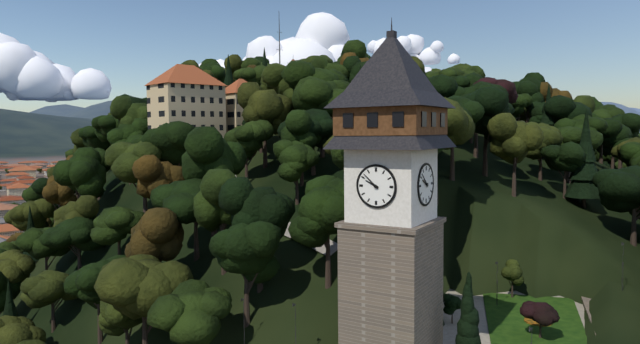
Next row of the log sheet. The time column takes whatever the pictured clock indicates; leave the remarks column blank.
9:52
